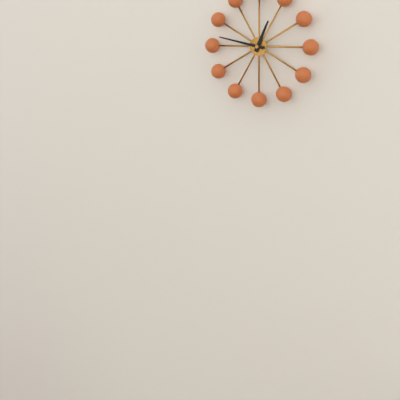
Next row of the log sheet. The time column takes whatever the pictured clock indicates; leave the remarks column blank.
12:47
